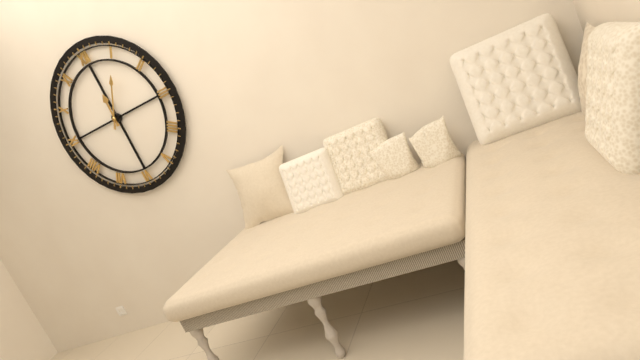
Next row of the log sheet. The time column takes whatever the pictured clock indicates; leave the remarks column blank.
12:05
